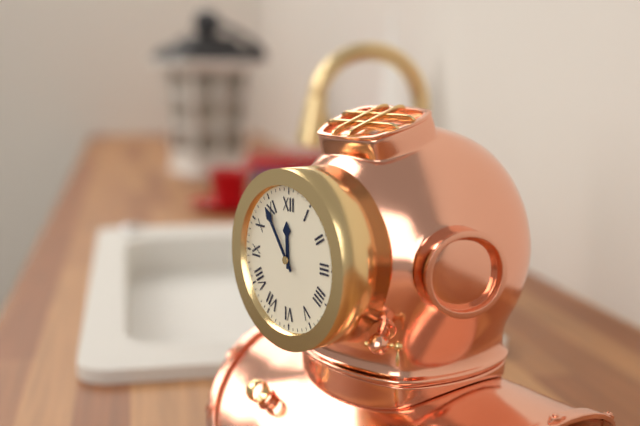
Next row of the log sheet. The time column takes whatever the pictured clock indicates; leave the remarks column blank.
11:54
